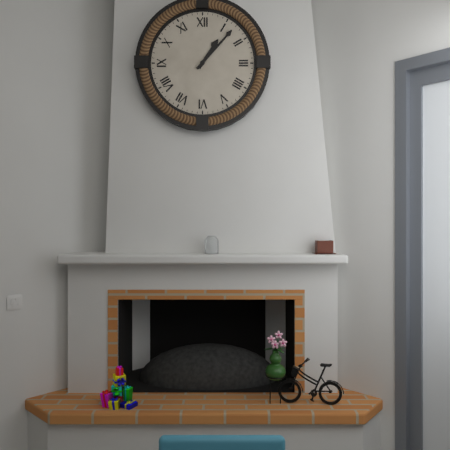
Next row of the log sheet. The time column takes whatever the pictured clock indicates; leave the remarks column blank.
1:07
